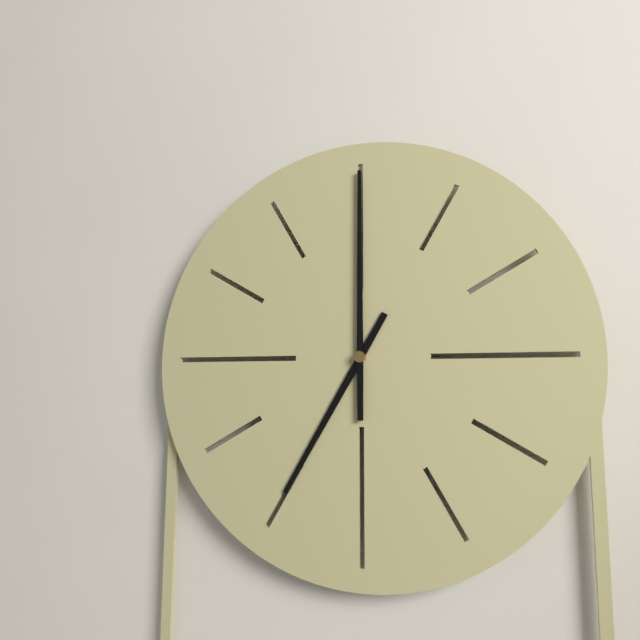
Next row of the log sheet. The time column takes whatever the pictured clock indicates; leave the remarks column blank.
7:00
